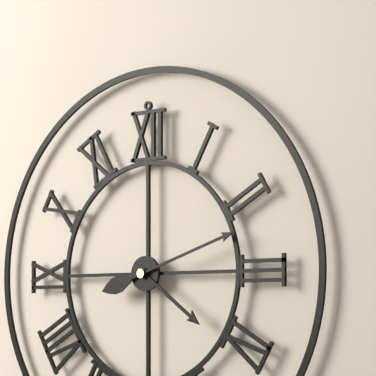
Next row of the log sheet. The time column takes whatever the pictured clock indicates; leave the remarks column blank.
4:12
